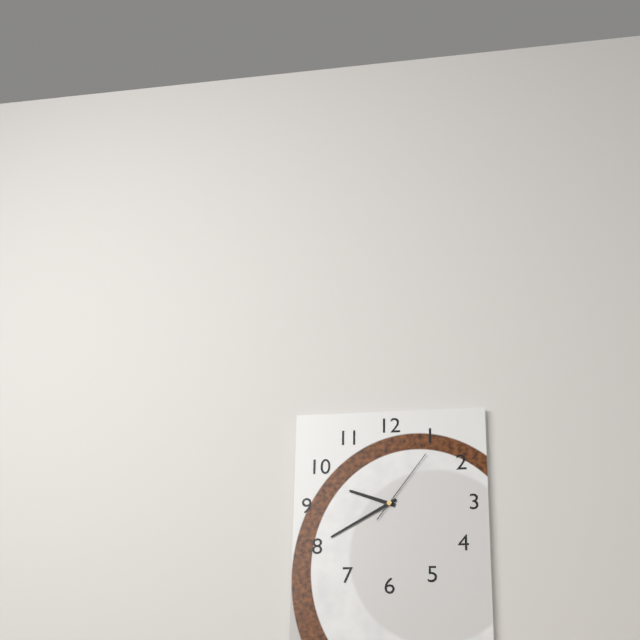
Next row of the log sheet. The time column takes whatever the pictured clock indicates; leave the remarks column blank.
9:40:06
